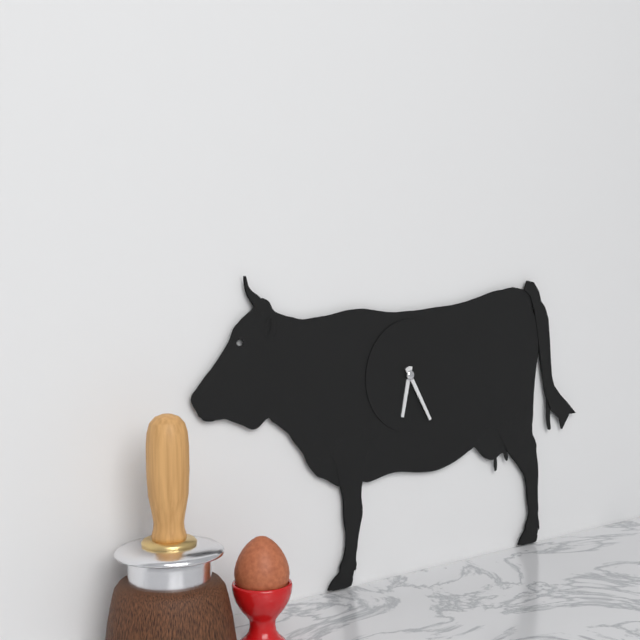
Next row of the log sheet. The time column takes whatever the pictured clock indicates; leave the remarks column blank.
6:25
